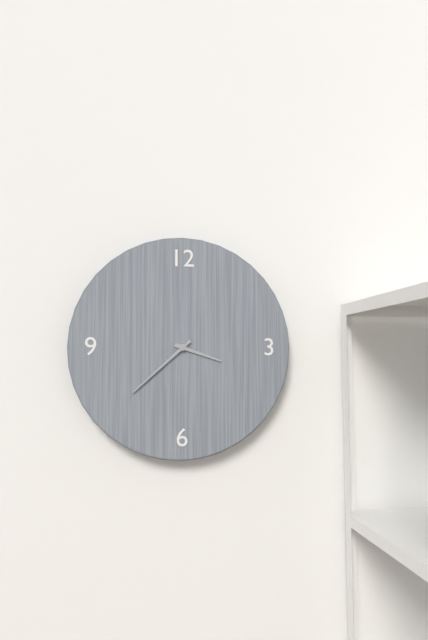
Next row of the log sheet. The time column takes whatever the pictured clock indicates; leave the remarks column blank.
3:38
